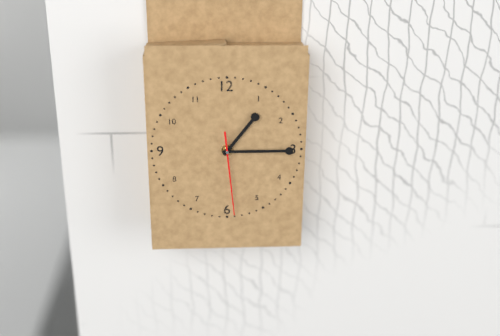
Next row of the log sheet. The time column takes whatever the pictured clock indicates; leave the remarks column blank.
1:15:29
